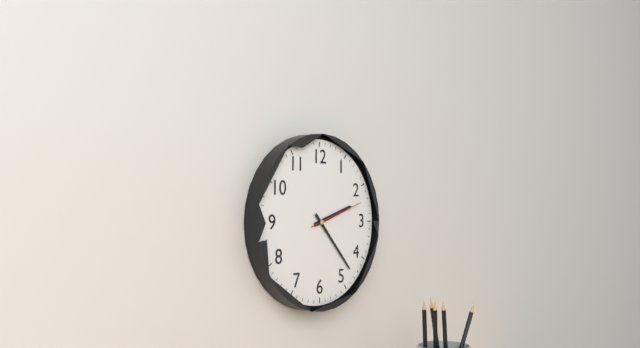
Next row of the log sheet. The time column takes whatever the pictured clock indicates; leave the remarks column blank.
2:23:12
